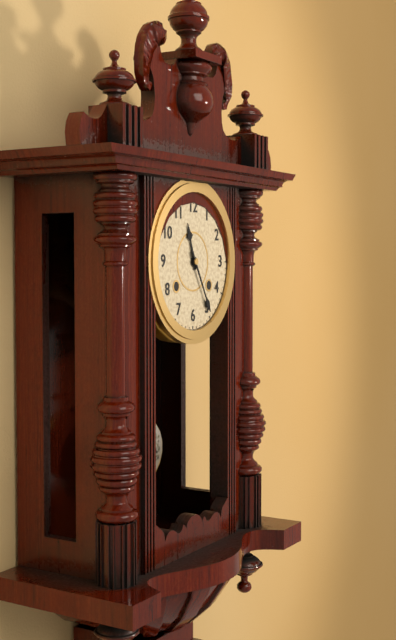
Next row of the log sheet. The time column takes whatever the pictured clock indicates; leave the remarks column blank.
11:25
